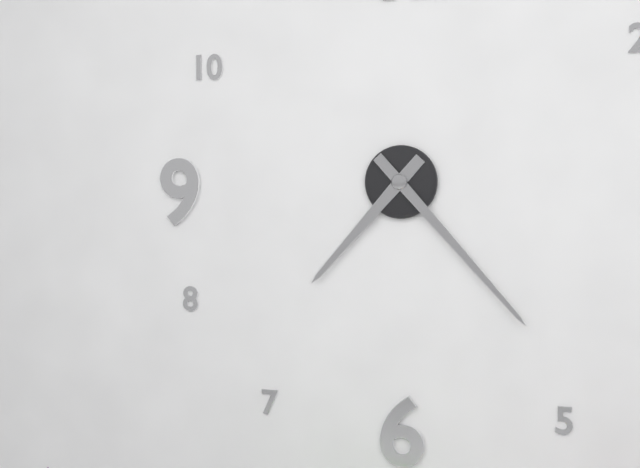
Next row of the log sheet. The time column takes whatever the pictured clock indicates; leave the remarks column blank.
7:23
